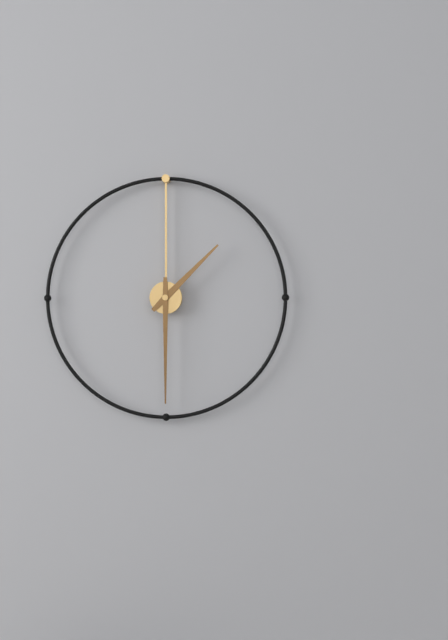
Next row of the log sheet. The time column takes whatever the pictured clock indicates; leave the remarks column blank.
1:30
